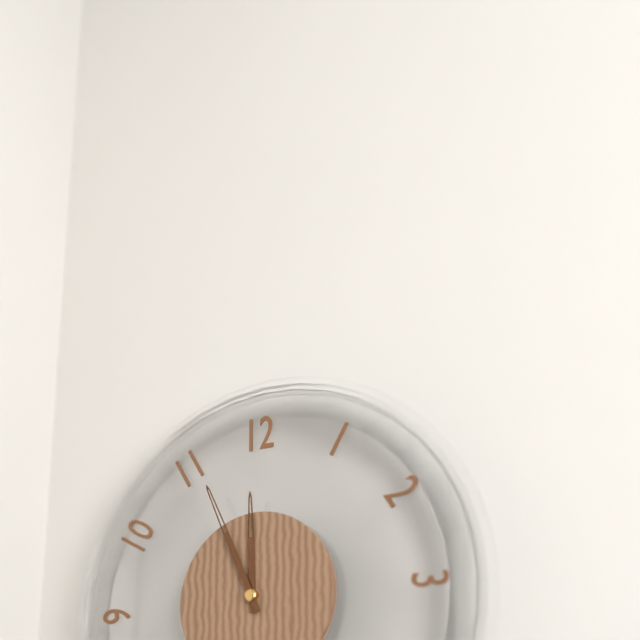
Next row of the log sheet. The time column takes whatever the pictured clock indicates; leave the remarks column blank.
11:56
